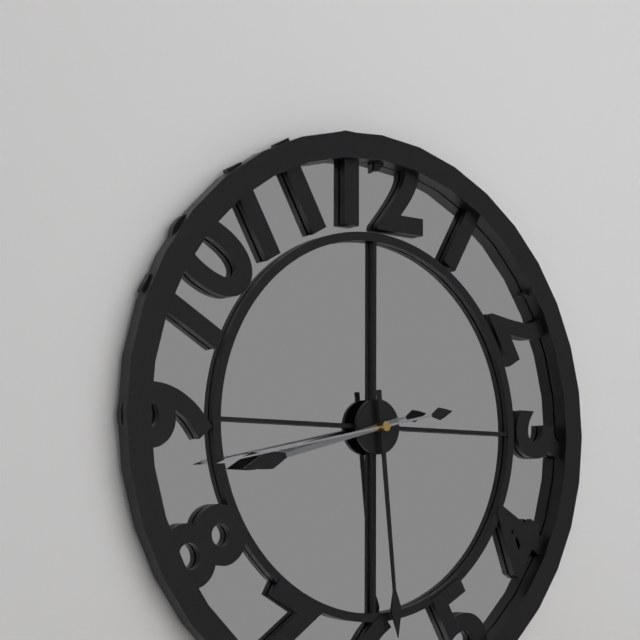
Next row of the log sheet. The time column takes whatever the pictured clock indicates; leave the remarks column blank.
8:29:43
